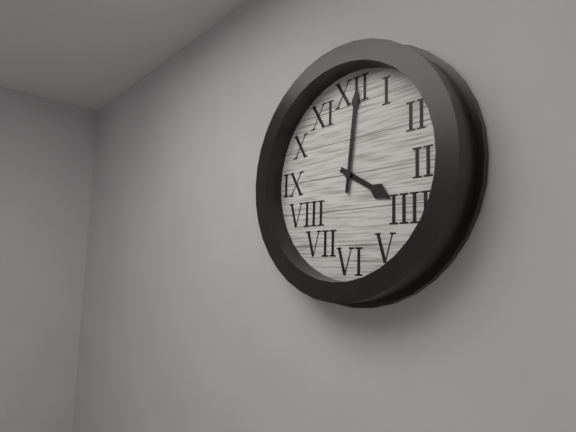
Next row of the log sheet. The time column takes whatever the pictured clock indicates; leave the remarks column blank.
4:01
